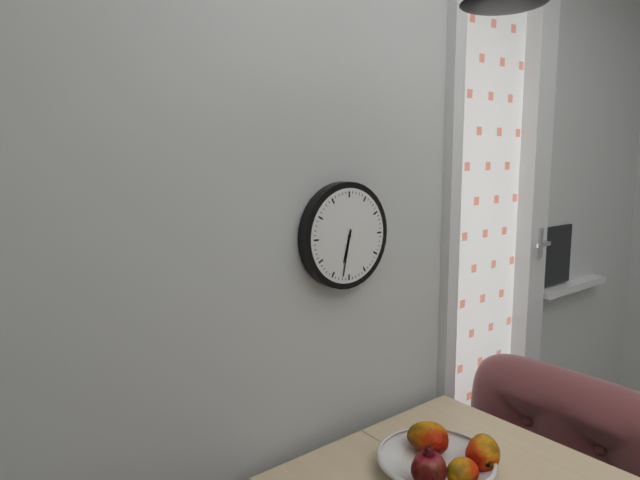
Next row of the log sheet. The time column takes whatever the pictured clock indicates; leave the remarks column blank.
6:32
